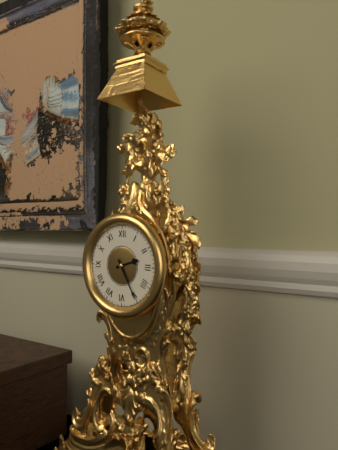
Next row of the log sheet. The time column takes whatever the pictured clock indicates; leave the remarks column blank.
2:25
